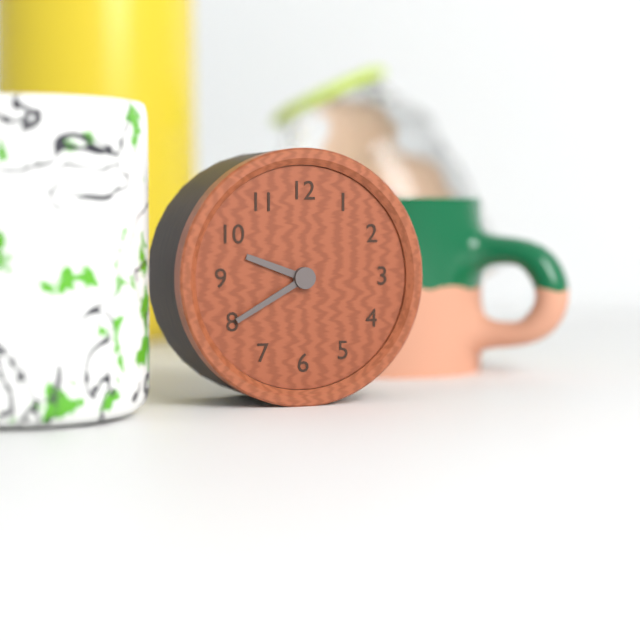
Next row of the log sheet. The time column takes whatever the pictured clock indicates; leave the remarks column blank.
9:40
